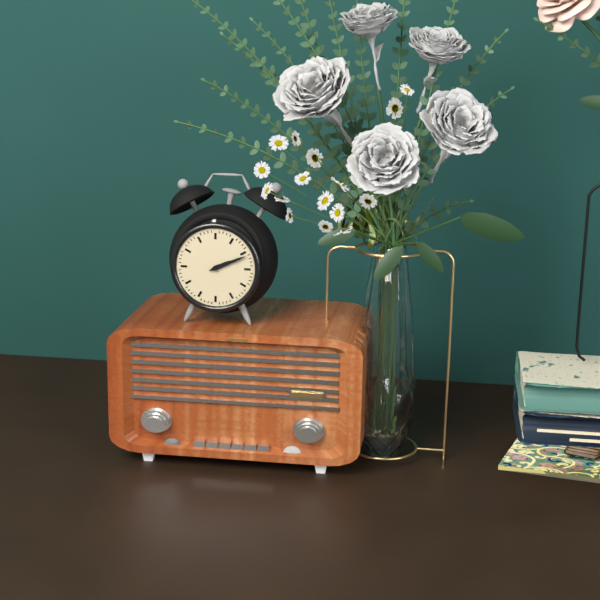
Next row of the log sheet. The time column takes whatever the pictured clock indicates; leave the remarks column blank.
2:11
